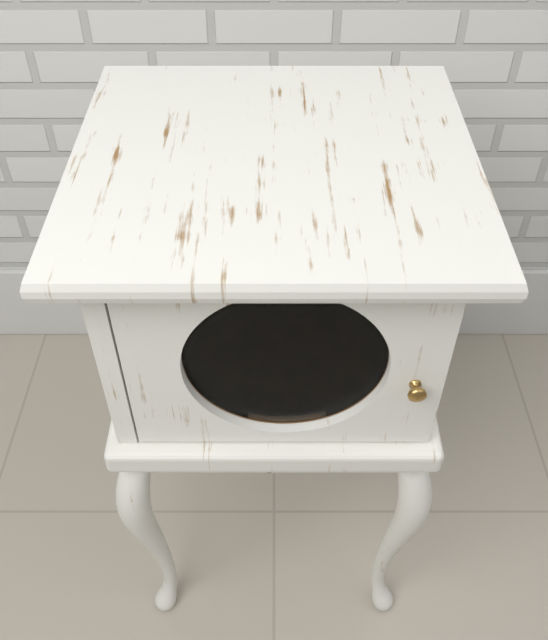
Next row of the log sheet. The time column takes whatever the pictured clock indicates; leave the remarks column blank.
10:52:21
